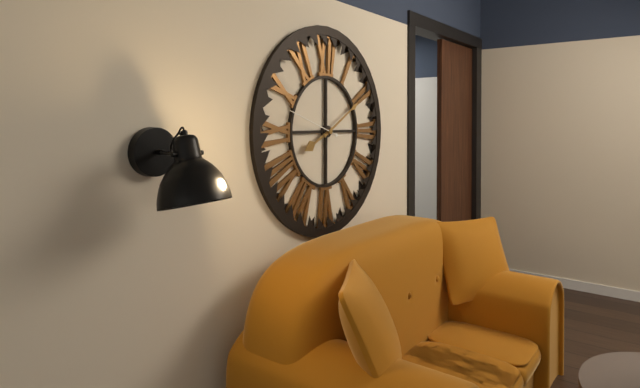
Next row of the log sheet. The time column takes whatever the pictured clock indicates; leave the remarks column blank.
8:10
